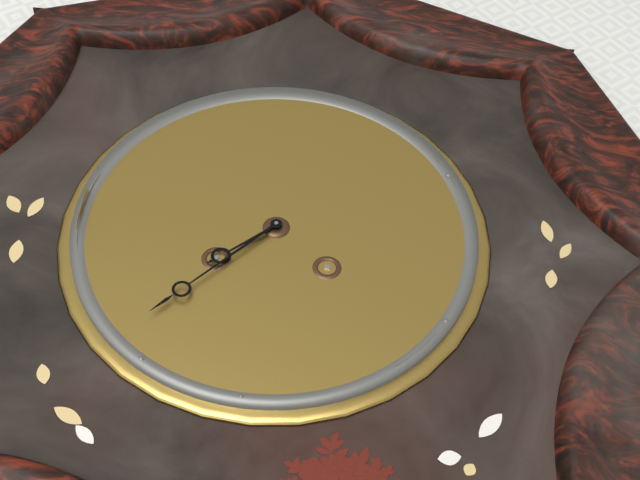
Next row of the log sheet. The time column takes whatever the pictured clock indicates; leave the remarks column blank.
7:37
